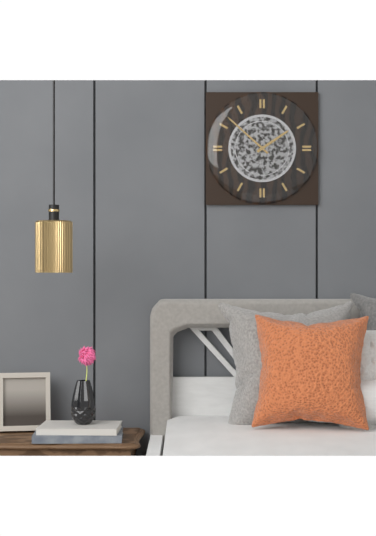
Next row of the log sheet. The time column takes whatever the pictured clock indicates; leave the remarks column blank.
1:52
